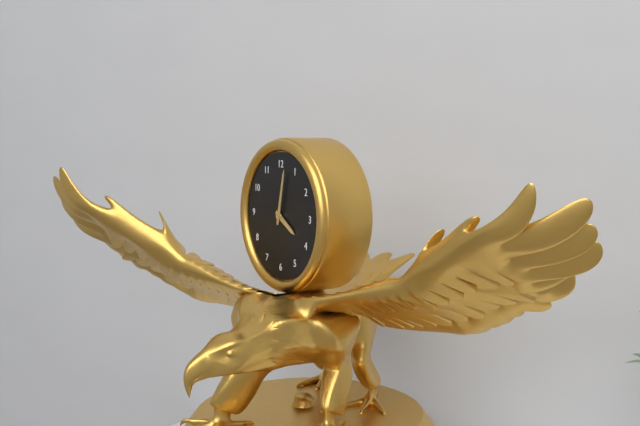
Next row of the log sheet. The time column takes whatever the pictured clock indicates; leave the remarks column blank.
4:02
